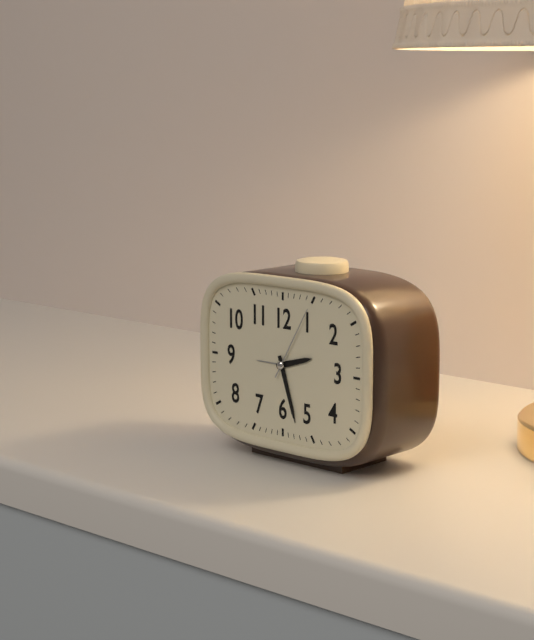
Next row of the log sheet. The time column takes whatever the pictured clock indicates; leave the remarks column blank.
2:27:05
